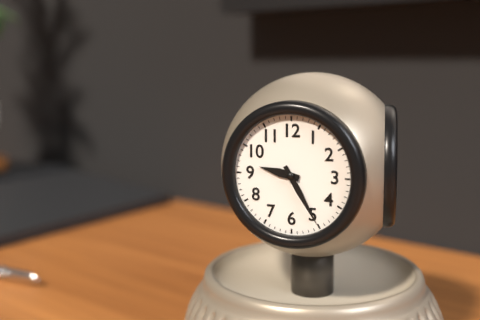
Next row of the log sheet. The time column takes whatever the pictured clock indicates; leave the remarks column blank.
9:25
